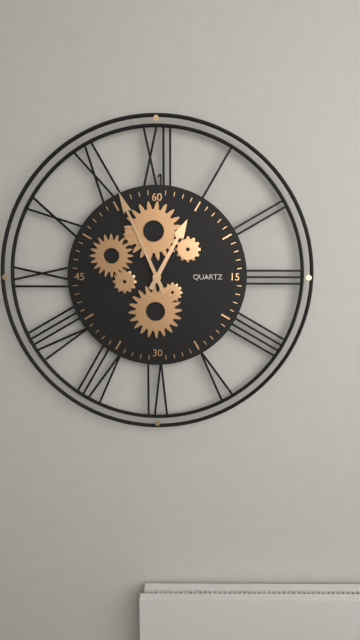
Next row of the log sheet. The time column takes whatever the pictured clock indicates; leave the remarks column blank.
12:56
